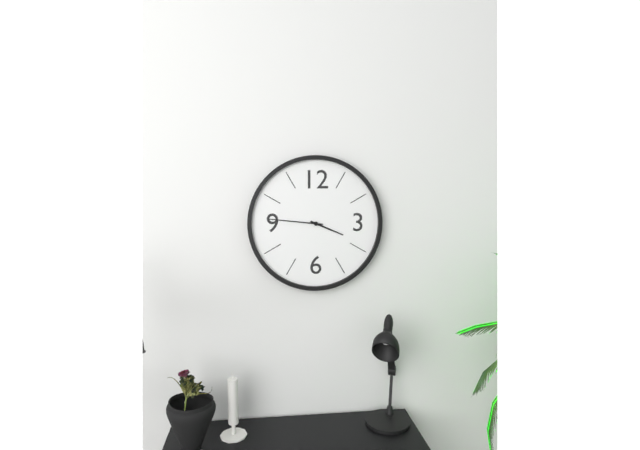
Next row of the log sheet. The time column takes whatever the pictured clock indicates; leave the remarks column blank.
3:46
